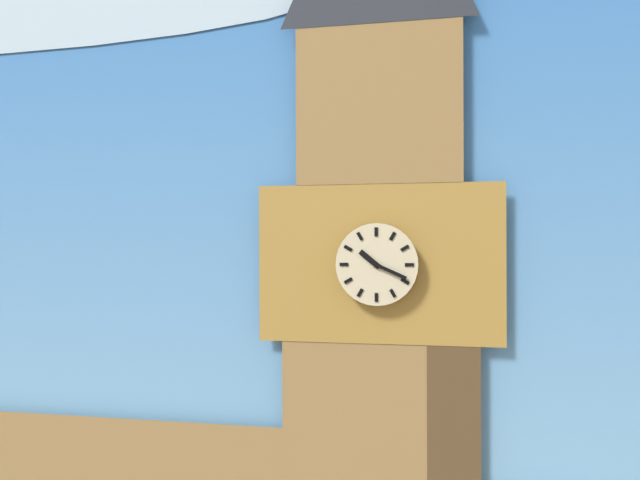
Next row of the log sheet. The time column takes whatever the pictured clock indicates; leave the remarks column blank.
10:19
